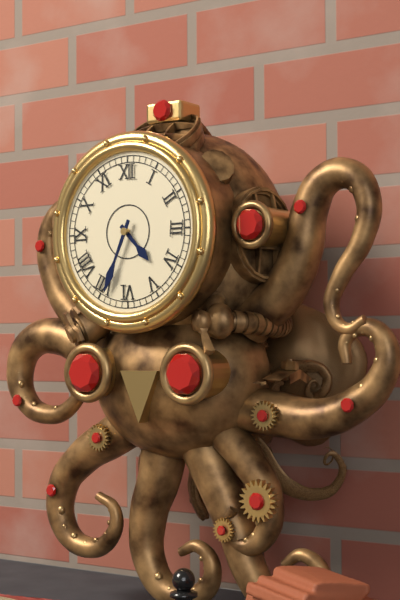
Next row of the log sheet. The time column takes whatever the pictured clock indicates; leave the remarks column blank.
4:34
